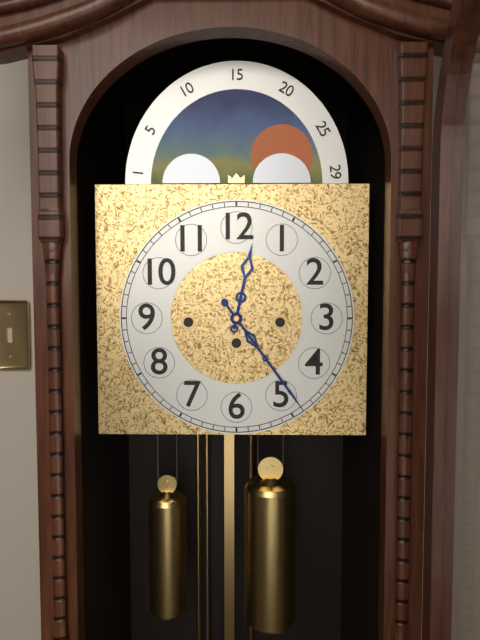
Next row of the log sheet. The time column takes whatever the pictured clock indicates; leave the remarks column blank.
12:24
